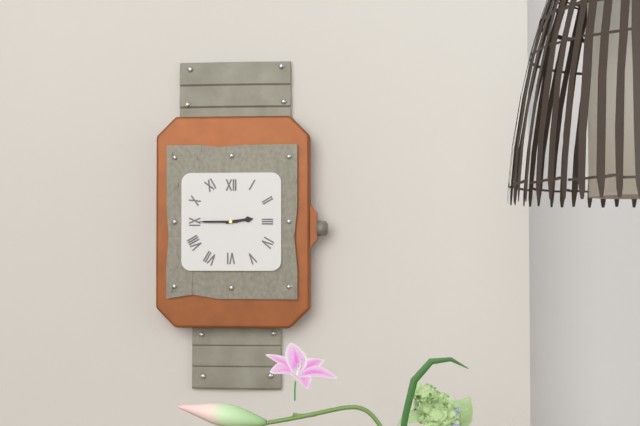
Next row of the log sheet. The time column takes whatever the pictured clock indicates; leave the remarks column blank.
2:45
